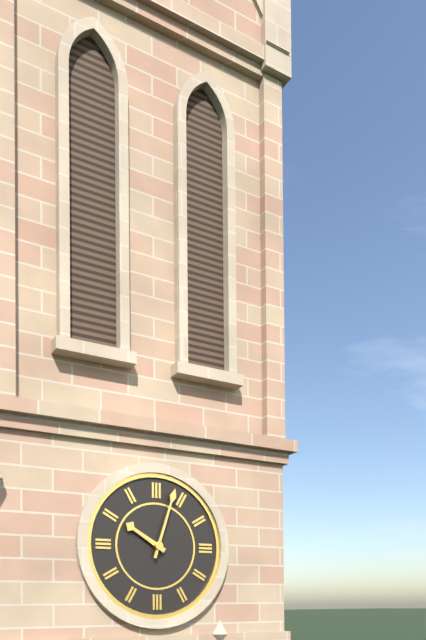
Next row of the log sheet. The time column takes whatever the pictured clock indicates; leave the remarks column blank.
10:03
